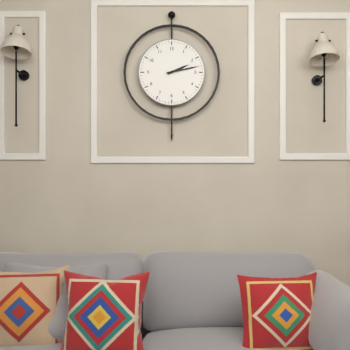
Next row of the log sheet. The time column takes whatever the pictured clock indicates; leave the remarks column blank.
2:13
